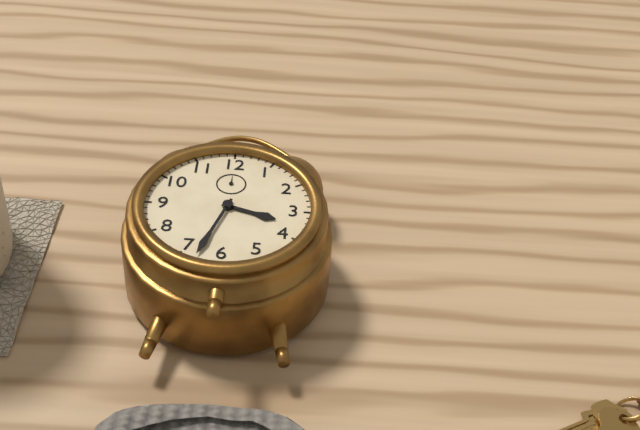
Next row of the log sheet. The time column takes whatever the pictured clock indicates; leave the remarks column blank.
3:33
